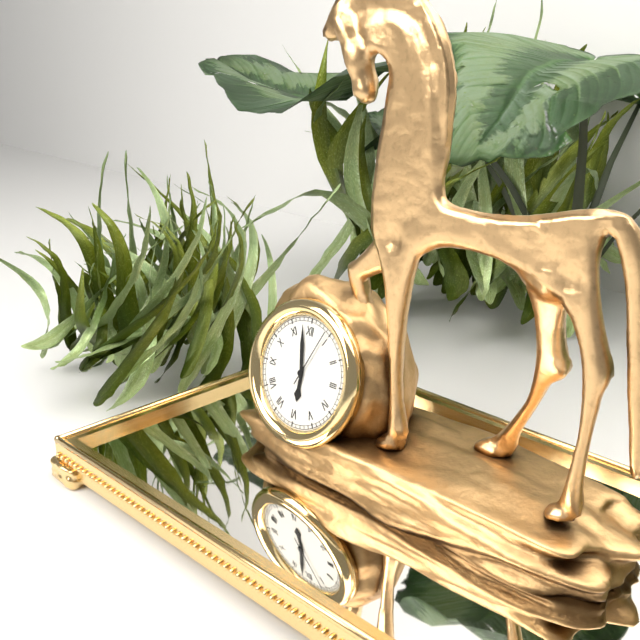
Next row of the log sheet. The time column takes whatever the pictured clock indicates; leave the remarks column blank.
5:58:04
